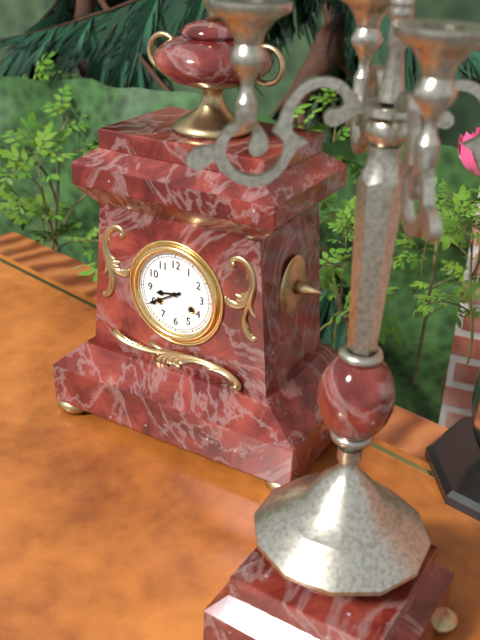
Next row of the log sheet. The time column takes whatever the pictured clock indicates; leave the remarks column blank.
8:40
